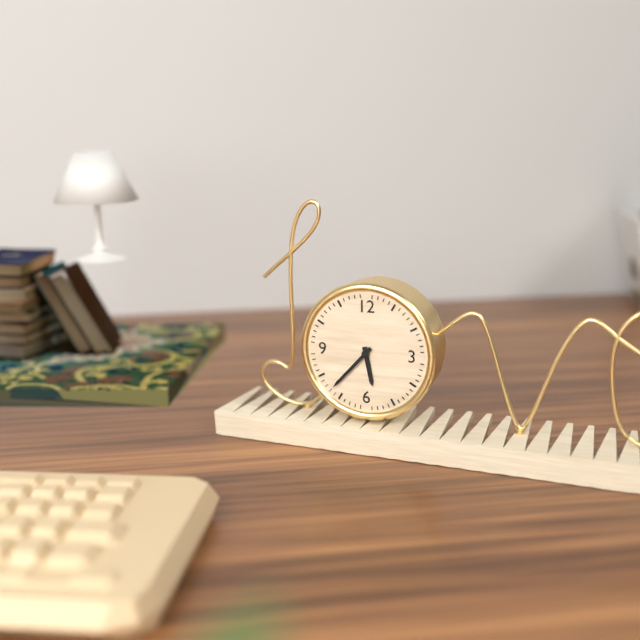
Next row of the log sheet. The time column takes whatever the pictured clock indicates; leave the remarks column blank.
5:37
